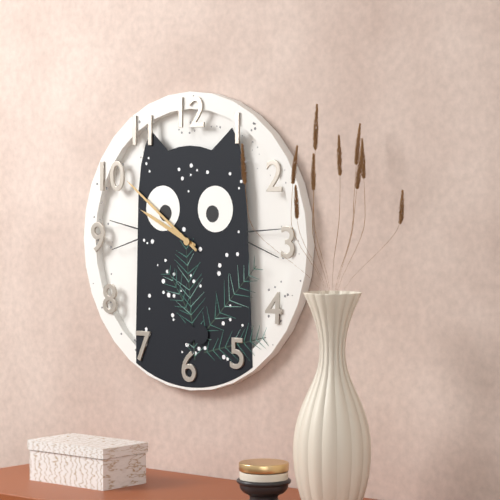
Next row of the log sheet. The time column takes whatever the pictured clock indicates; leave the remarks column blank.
9:51
